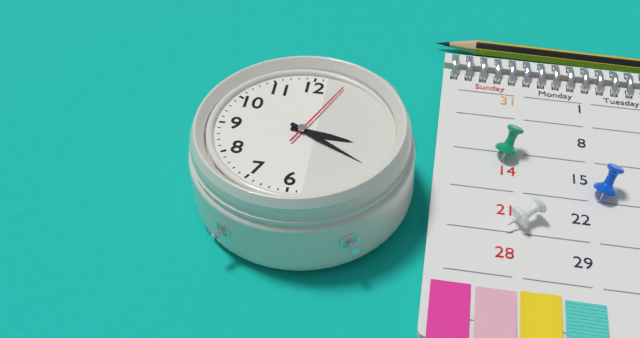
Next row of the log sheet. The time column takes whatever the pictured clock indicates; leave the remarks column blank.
3:20:04
